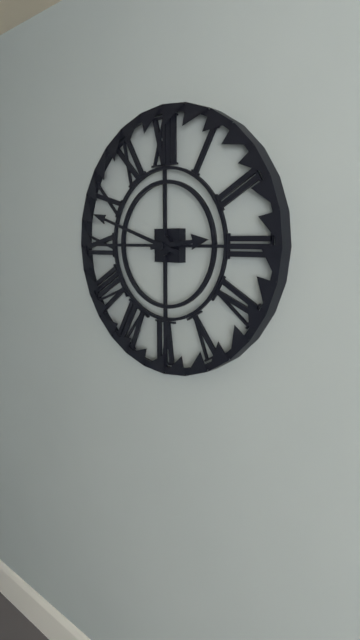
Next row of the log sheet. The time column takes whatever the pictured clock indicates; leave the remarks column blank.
2:48
